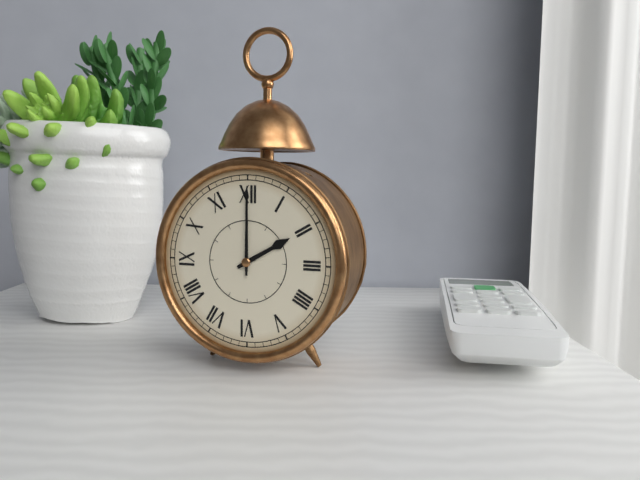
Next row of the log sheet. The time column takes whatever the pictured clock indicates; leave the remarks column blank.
2:00
